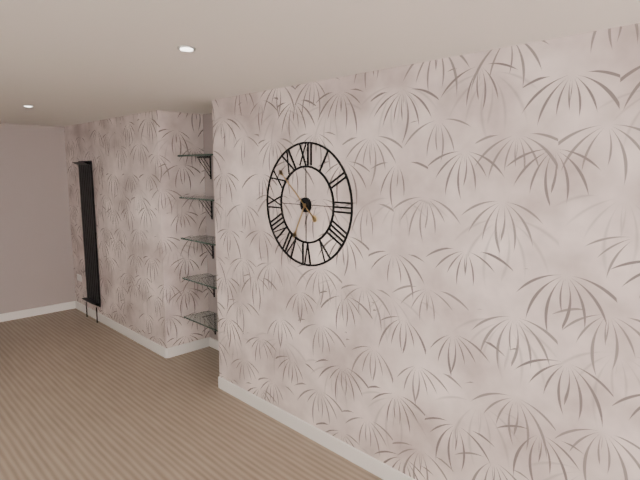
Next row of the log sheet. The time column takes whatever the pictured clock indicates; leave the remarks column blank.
6:52
